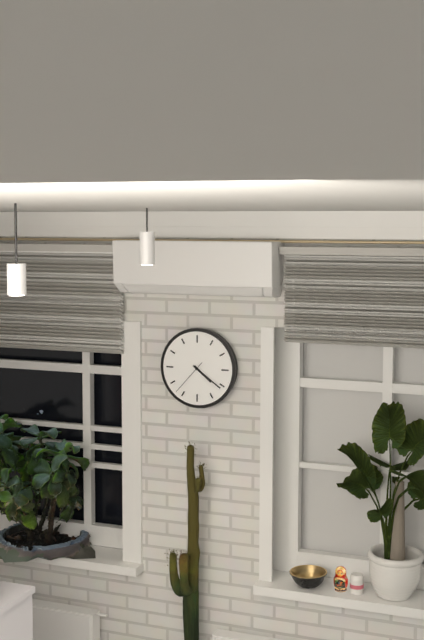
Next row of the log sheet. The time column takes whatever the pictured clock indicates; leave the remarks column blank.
4:21
